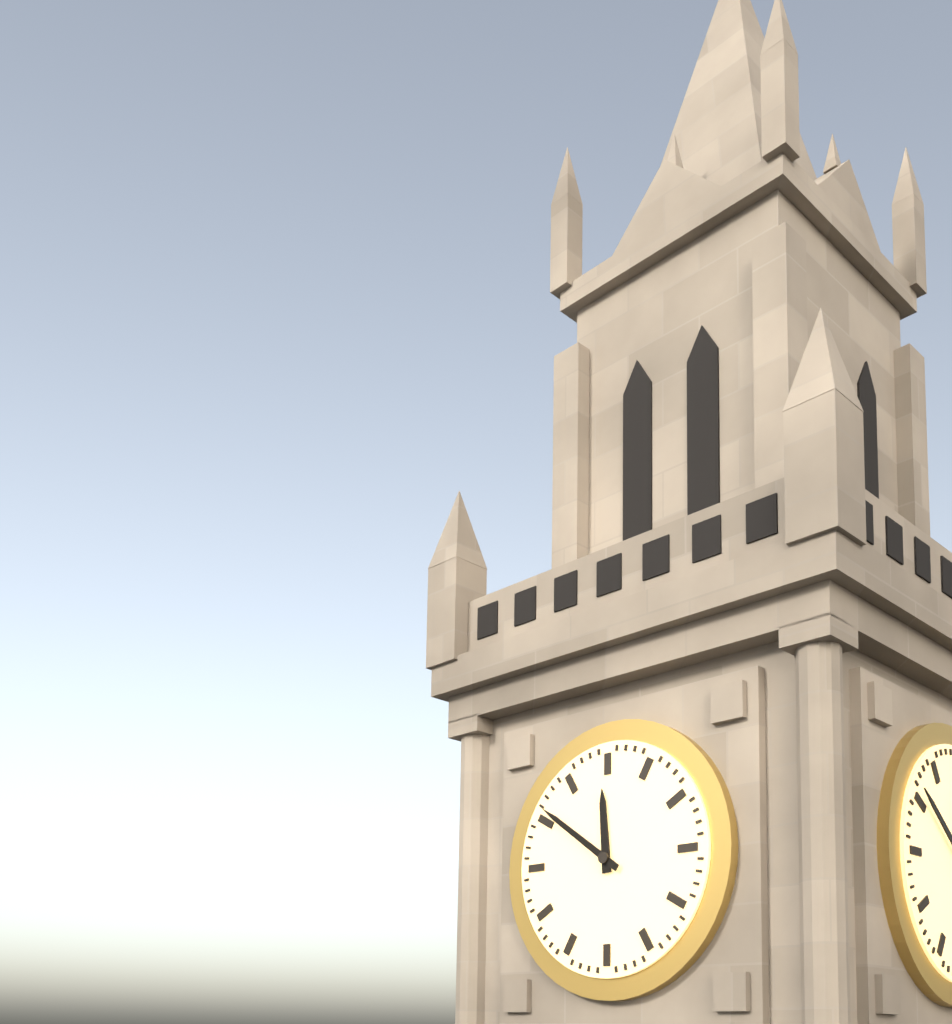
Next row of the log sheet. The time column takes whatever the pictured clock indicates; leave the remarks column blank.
11:51
